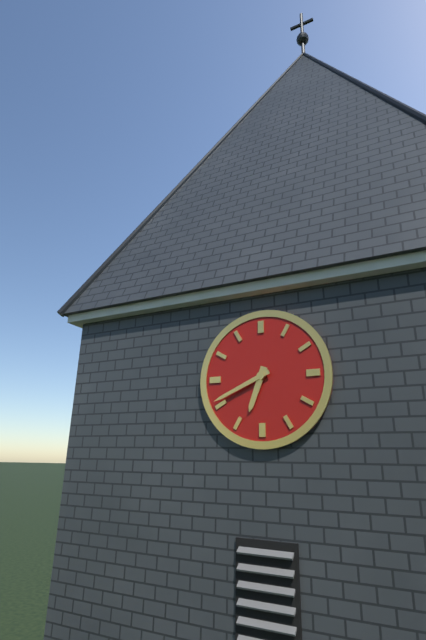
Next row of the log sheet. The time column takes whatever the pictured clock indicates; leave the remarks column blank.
6:41
